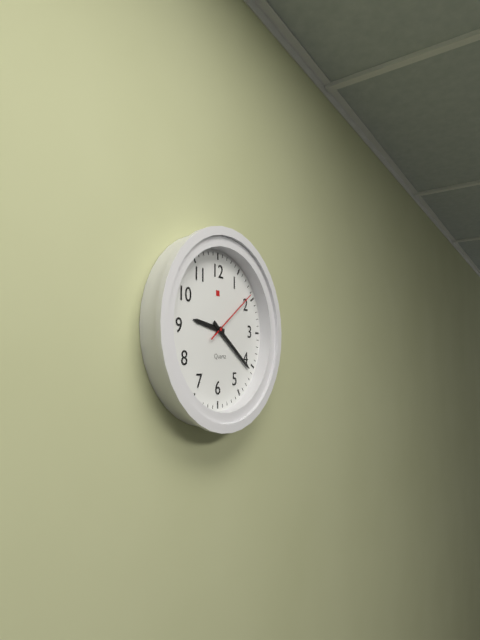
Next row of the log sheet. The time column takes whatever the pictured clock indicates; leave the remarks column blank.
9:21:09
